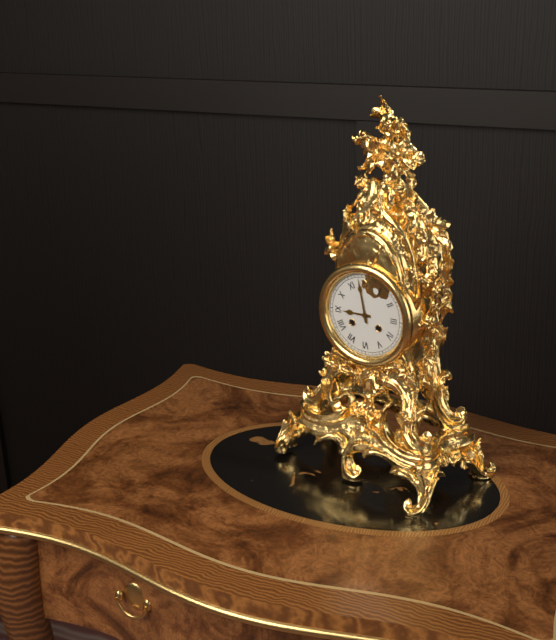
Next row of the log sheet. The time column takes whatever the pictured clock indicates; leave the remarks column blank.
8:58
